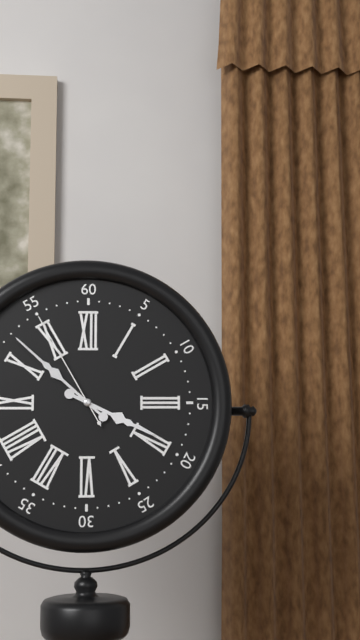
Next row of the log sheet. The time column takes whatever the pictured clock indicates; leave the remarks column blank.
3:52:55
